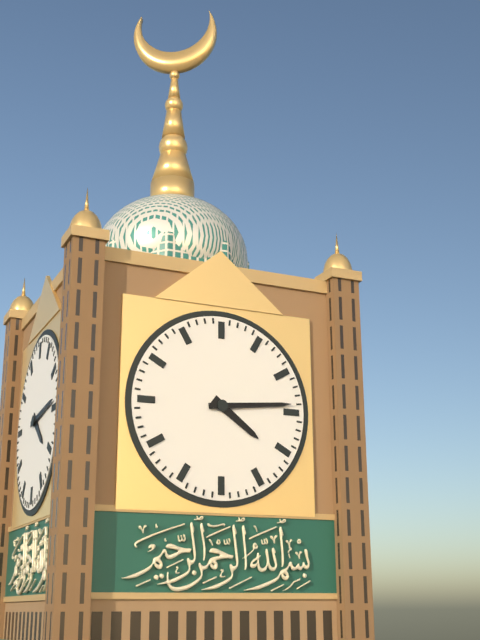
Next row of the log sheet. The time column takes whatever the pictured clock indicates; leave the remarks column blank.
4:14
